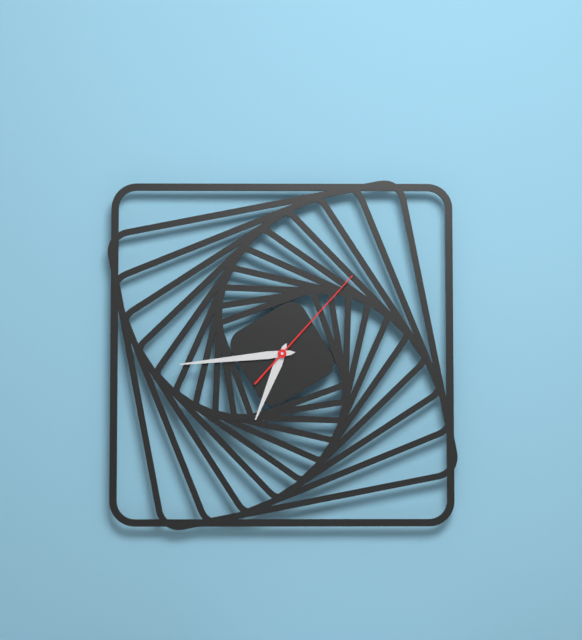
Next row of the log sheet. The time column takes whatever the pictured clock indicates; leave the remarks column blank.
6:44:07
